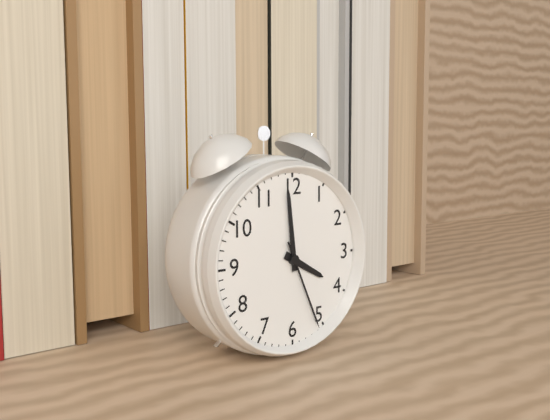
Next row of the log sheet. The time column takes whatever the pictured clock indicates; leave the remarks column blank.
3:59:26
